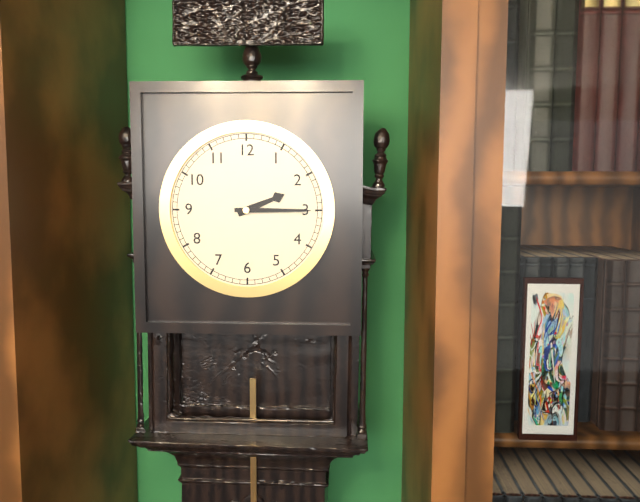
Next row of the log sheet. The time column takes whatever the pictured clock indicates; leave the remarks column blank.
2:15
